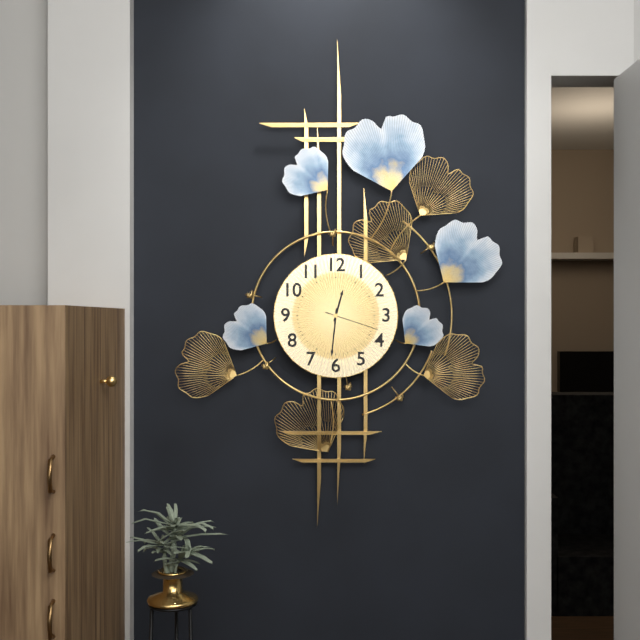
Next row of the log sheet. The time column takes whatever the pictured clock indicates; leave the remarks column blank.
12:31:18
